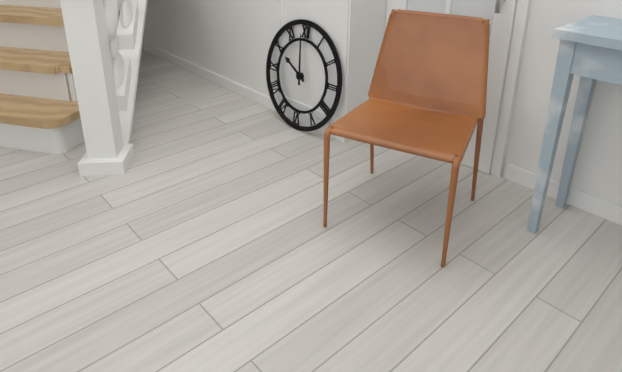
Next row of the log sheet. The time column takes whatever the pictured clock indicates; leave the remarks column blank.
9:59
